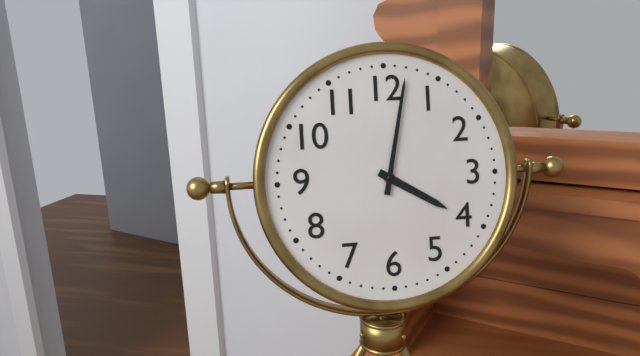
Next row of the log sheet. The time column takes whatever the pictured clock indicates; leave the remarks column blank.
4:02
